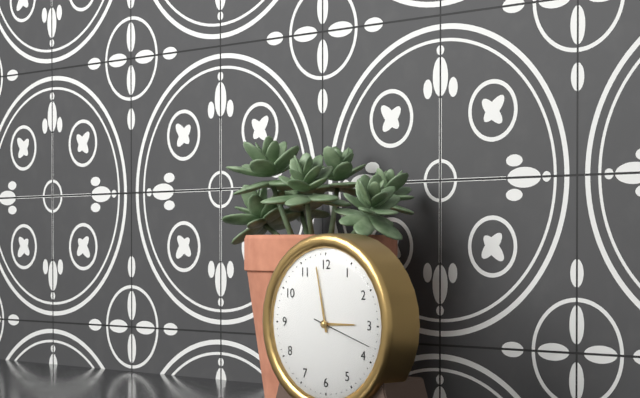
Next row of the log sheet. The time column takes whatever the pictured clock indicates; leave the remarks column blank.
2:58:18
